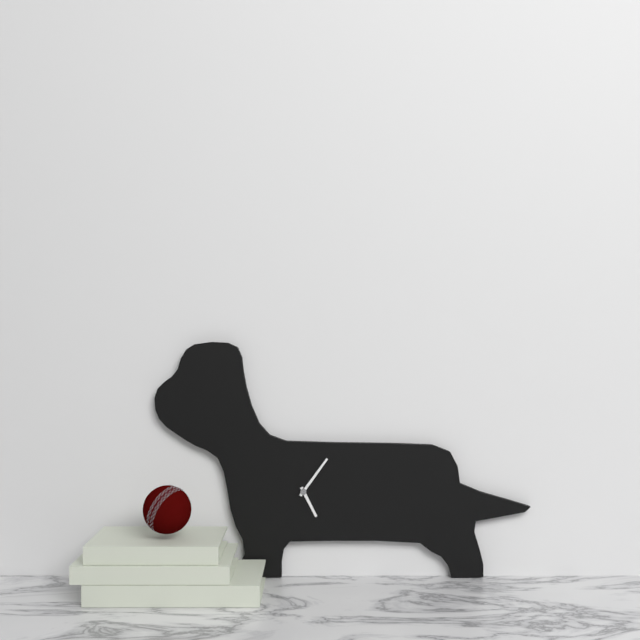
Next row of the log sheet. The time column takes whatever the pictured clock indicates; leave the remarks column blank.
5:06
